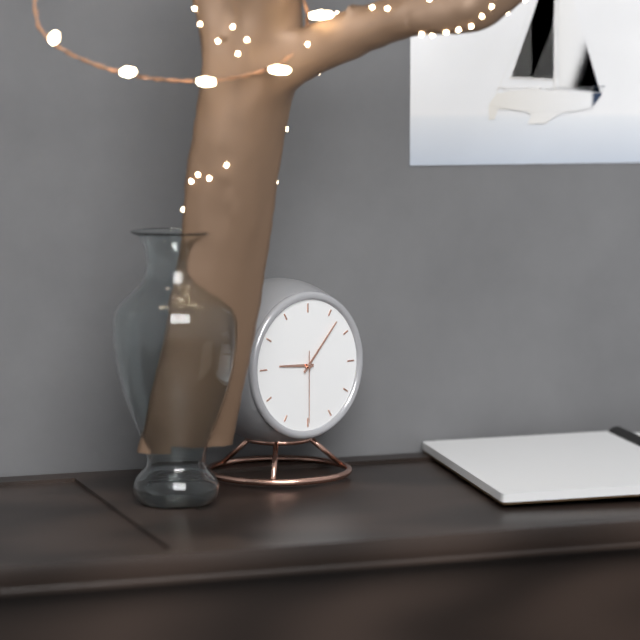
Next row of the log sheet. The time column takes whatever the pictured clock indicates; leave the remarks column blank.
9:07:30
